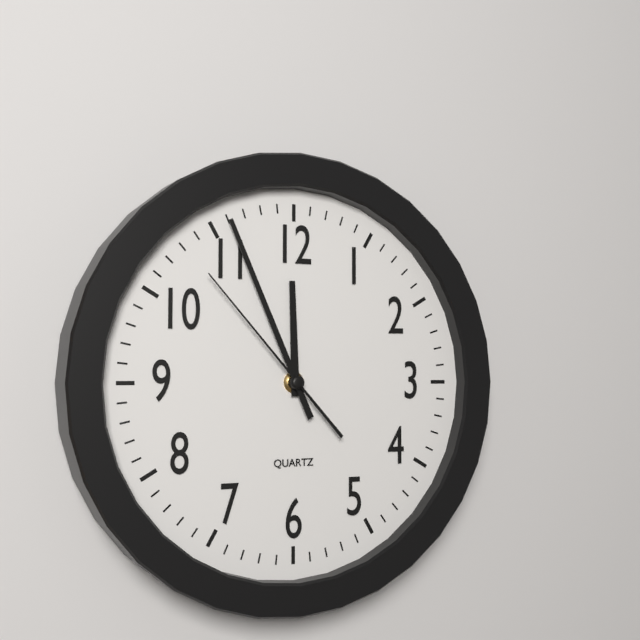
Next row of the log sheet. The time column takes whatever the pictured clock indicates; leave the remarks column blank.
11:56:53
